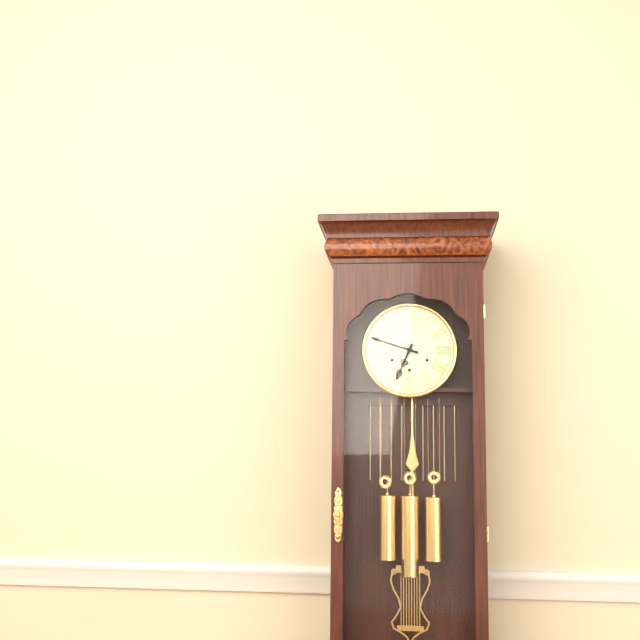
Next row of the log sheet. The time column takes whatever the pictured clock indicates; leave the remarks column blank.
6:48
